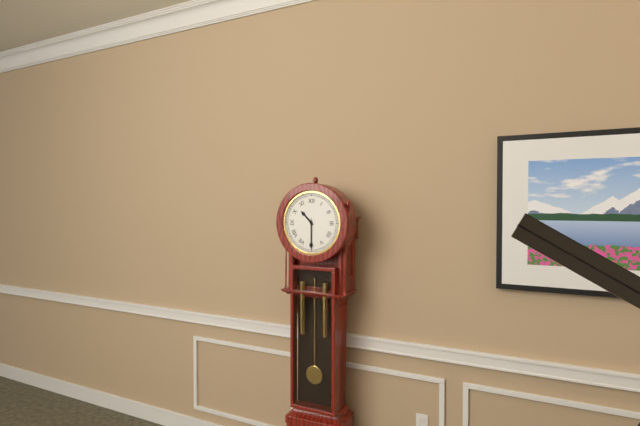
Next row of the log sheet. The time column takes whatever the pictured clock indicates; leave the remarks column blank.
10:30
